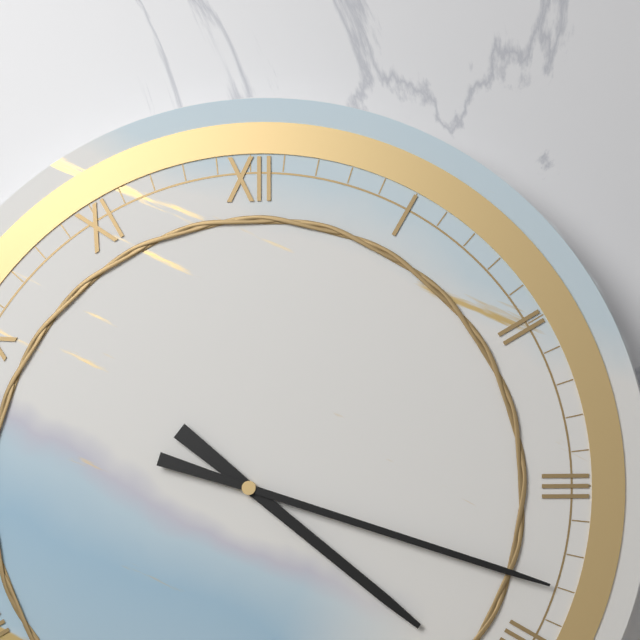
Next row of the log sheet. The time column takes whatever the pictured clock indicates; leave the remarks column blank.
4:18
